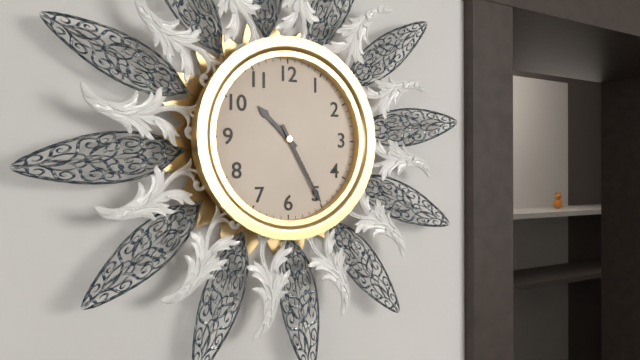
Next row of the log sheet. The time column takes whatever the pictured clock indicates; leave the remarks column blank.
10:25
